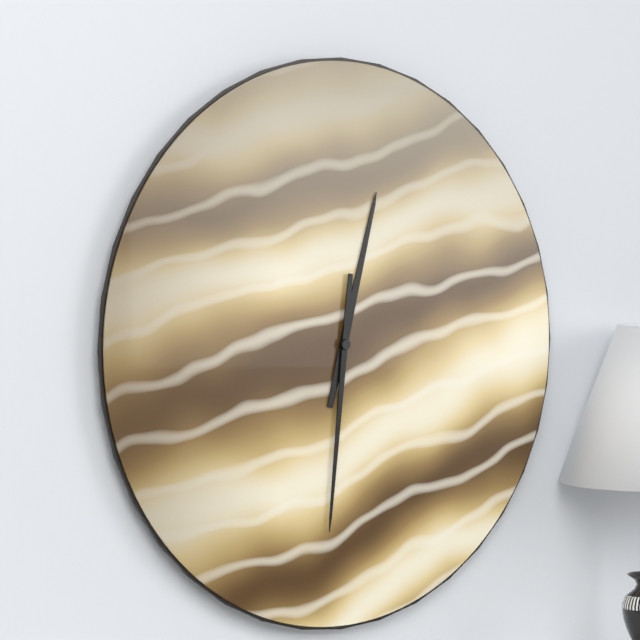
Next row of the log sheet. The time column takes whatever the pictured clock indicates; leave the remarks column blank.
12:31
